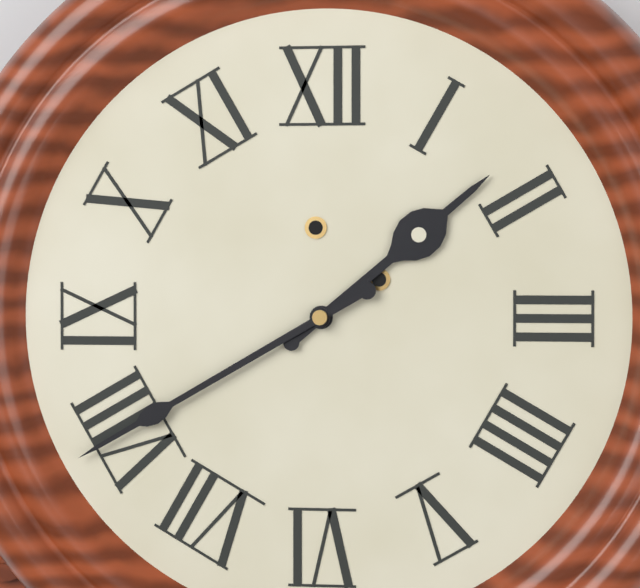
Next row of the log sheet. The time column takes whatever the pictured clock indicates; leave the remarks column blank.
1:40
